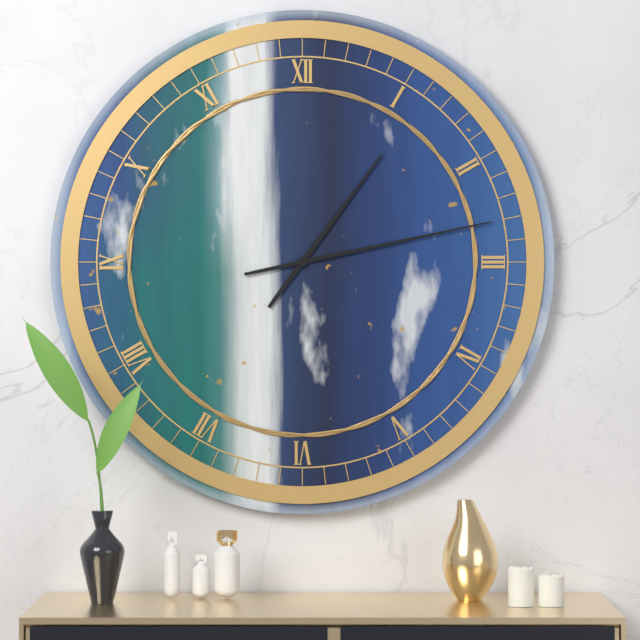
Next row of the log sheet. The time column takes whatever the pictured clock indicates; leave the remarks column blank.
1:13
